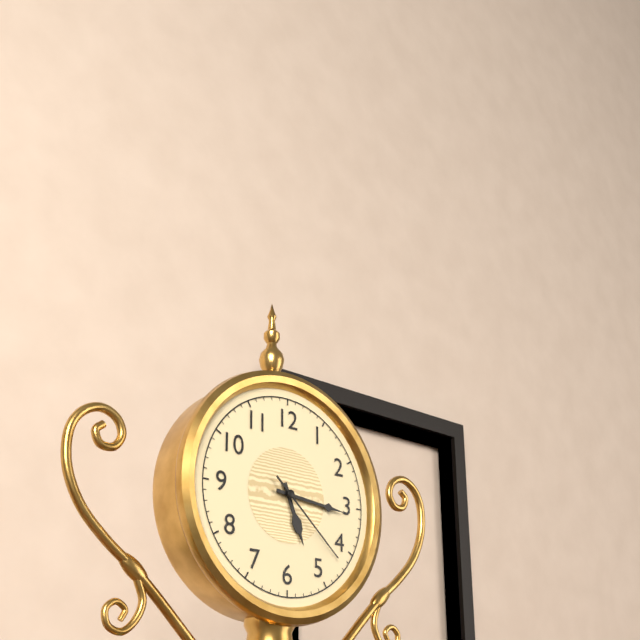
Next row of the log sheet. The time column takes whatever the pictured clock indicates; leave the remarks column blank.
5:16:22
